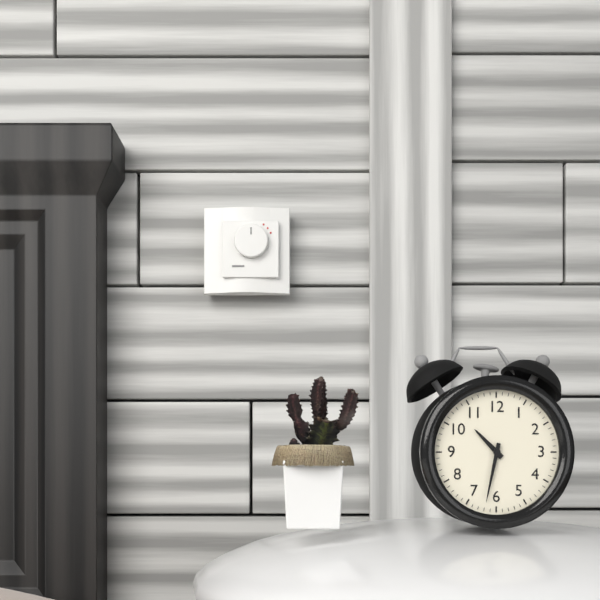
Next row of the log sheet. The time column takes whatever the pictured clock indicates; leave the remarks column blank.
10:32
